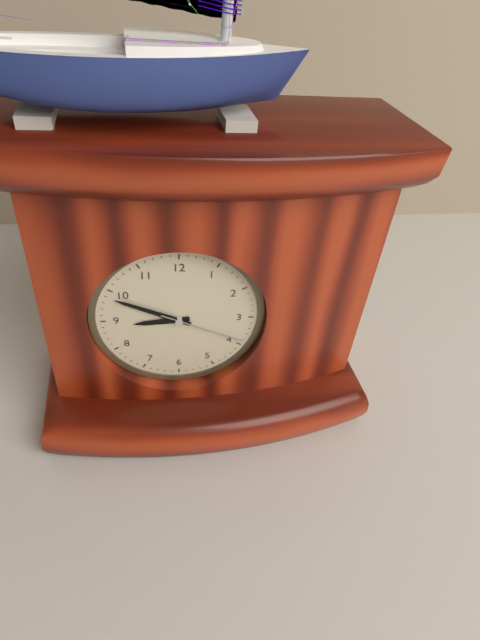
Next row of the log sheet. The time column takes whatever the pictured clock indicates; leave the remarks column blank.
8:49:19
